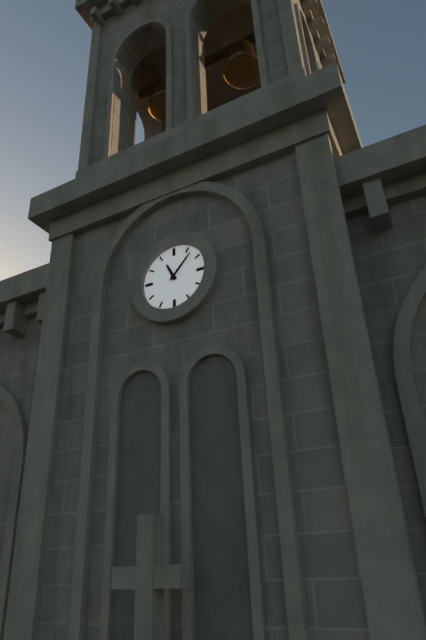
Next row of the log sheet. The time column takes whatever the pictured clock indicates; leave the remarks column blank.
11:07
